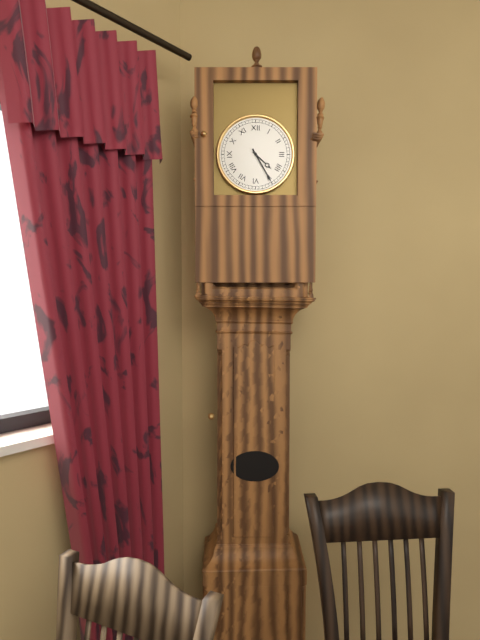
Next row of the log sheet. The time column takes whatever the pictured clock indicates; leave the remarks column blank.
4:25
